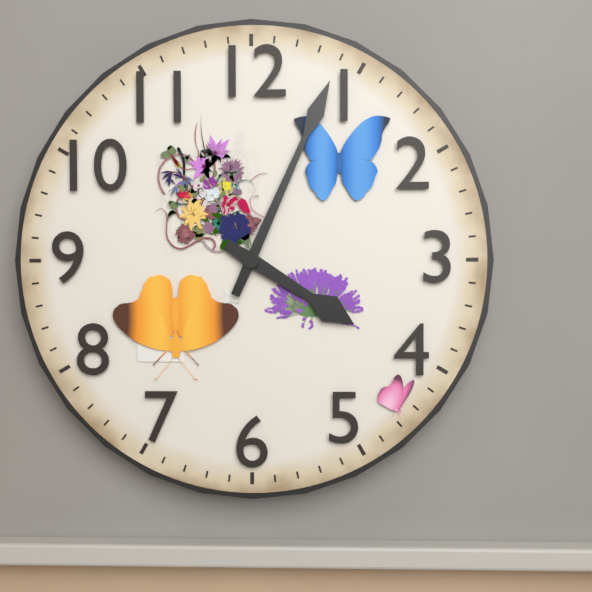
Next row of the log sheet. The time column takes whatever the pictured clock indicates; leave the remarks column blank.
4:04
